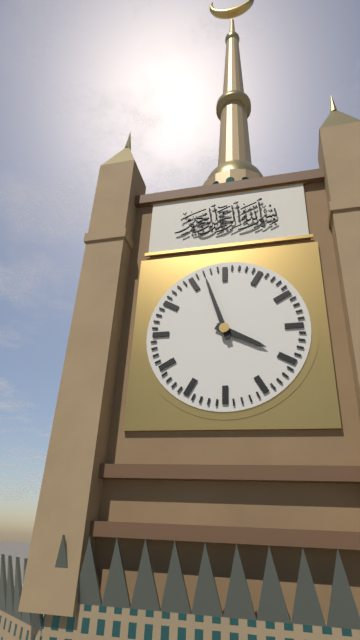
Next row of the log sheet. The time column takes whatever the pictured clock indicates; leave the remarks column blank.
3:57
